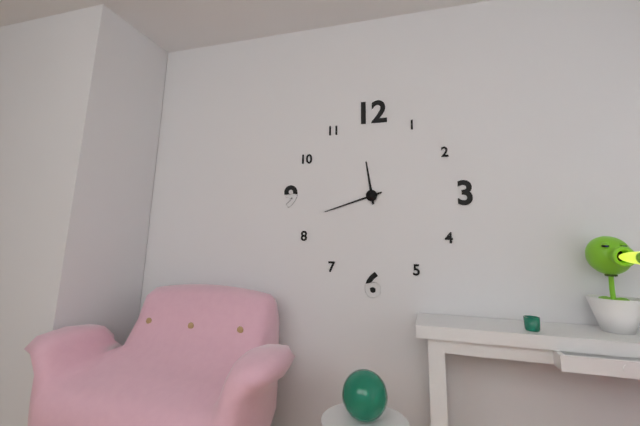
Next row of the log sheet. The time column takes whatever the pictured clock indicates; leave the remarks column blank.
11:42
